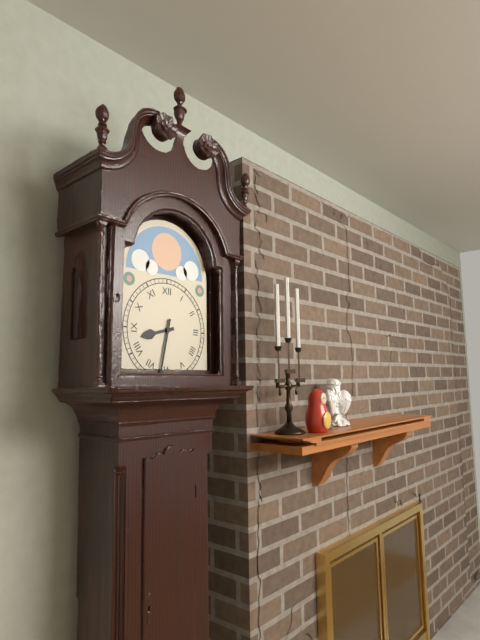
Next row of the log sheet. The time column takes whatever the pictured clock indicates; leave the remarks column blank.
8:32
